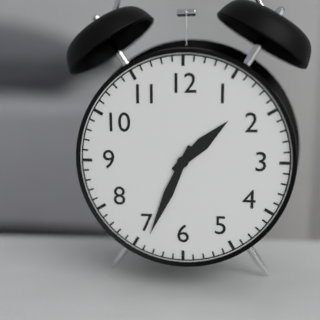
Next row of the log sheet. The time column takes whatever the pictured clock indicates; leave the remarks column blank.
1:34
